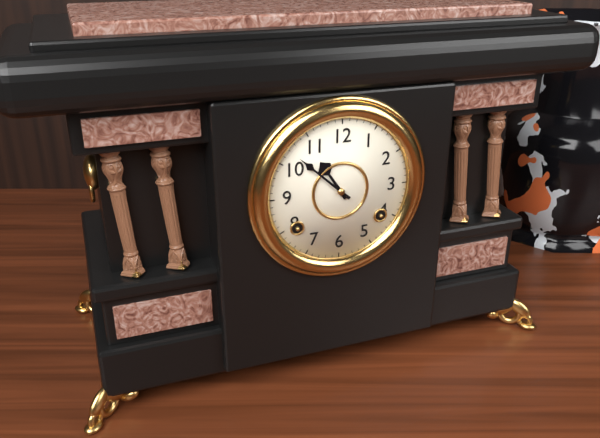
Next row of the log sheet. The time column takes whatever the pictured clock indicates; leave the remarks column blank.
10:52
